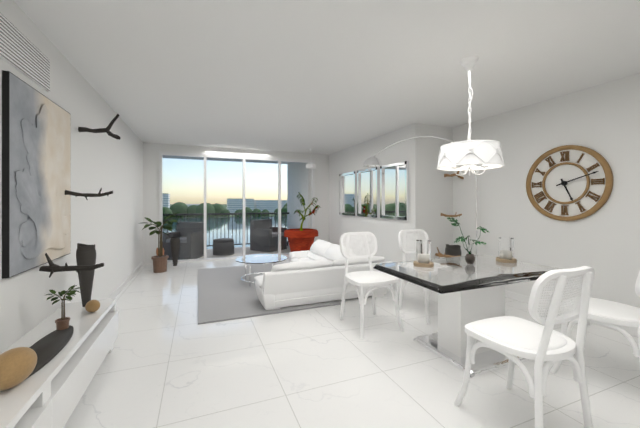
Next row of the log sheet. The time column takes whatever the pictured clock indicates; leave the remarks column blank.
5:12
